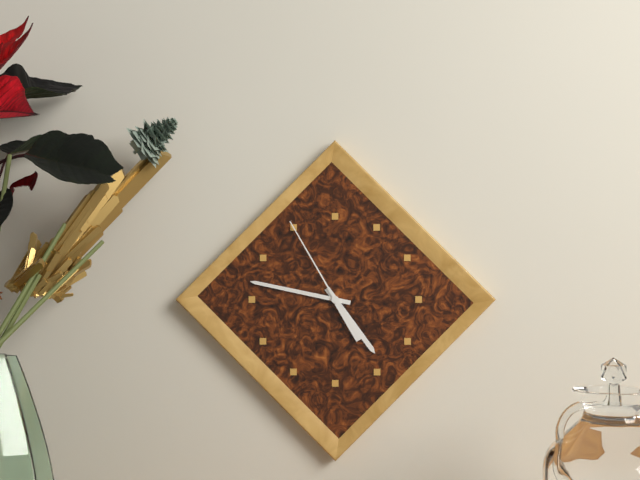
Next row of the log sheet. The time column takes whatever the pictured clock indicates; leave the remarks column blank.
4:47:55
